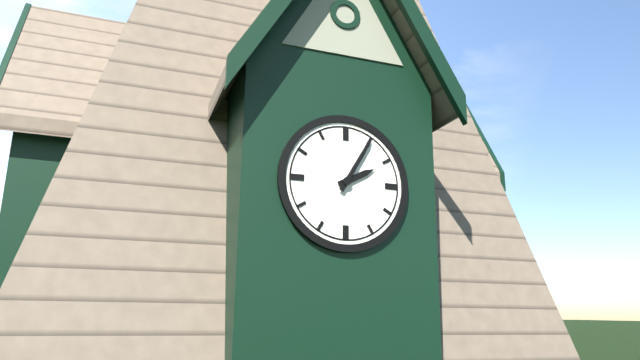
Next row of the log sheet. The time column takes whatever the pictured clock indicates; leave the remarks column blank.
2:05
